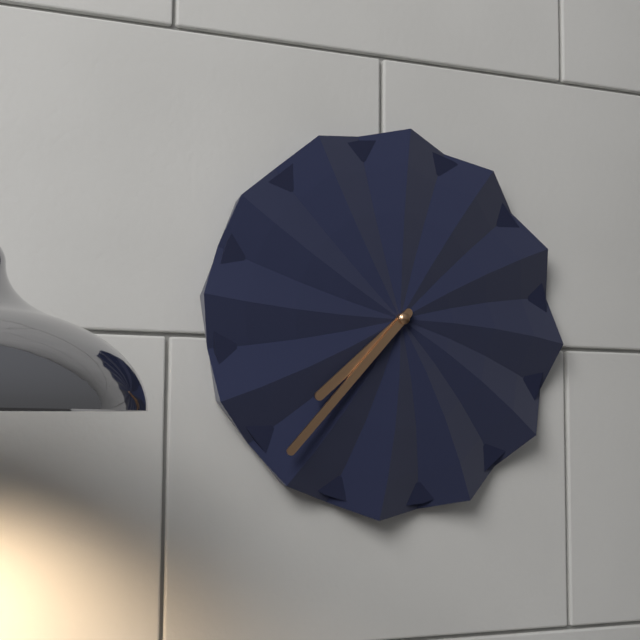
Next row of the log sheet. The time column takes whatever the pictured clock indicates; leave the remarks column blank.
7:37
